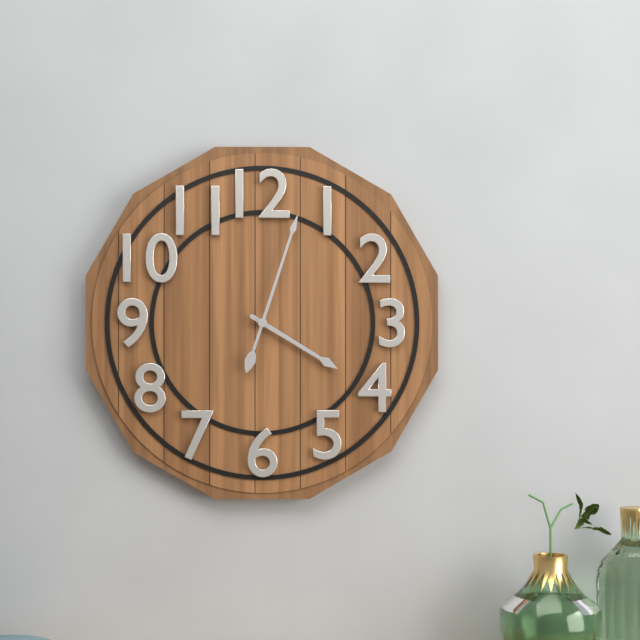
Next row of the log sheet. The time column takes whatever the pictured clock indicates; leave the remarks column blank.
4:03
